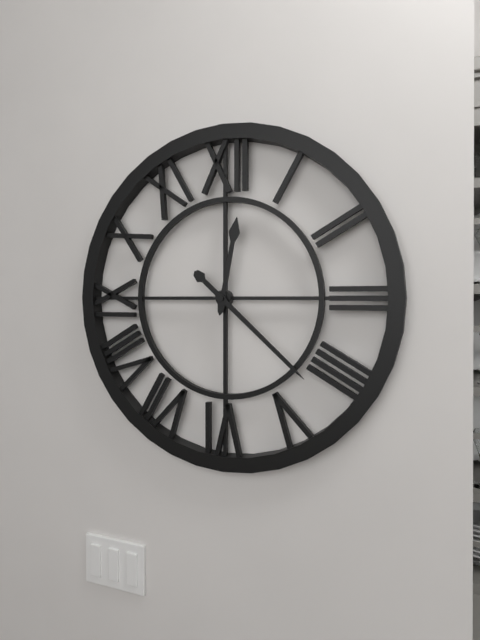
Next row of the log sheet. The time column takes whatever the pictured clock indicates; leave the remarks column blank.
12:22
